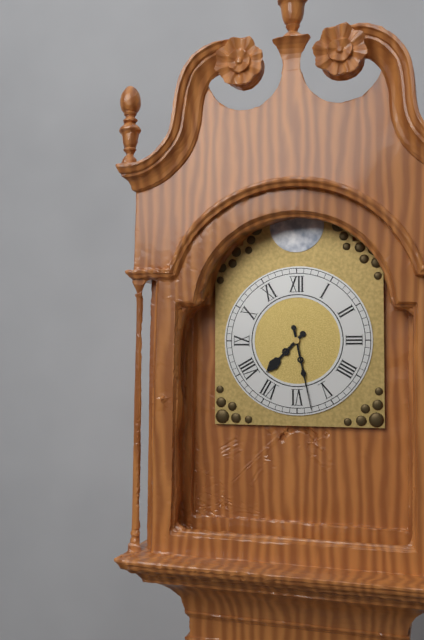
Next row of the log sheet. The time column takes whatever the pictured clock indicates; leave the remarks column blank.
7:28
